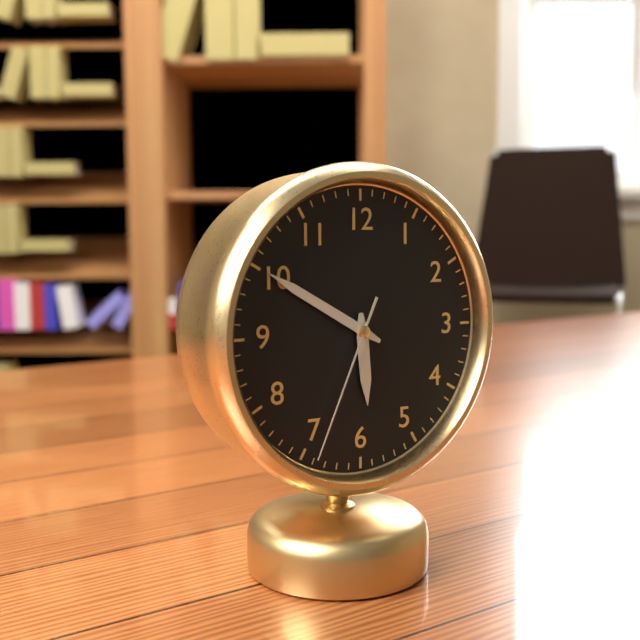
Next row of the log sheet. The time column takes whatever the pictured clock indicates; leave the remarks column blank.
5:50:34
